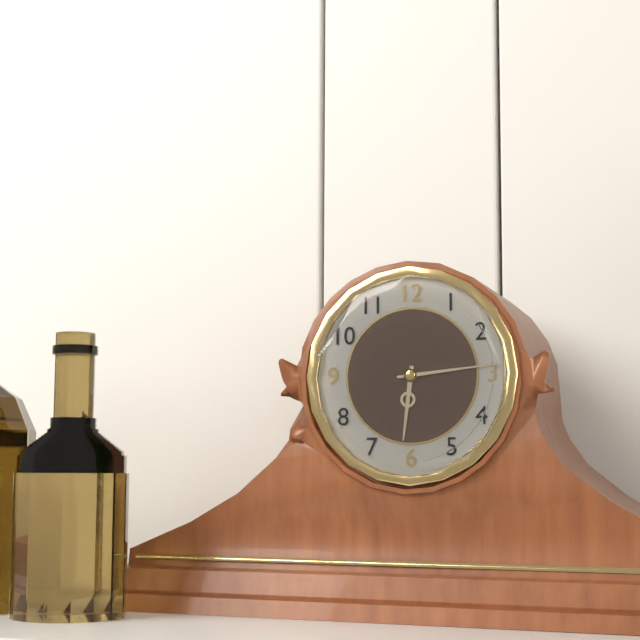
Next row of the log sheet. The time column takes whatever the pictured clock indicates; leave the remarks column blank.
6:14
